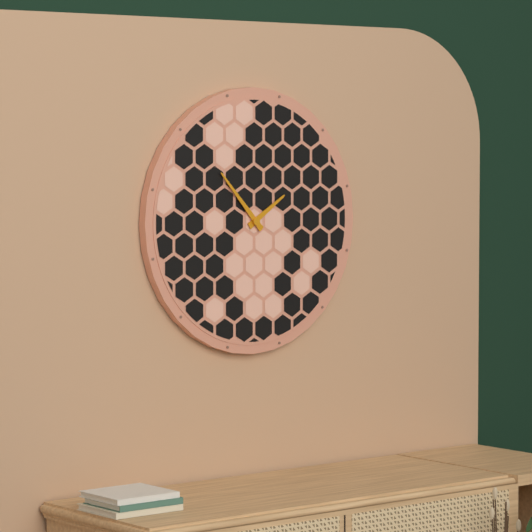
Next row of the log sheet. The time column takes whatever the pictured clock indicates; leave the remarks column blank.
1:53
